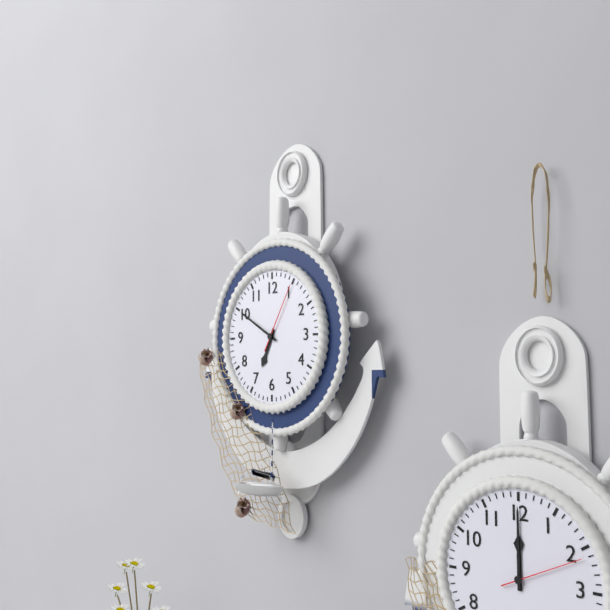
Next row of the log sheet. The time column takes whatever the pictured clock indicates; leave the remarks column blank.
6:50:05
